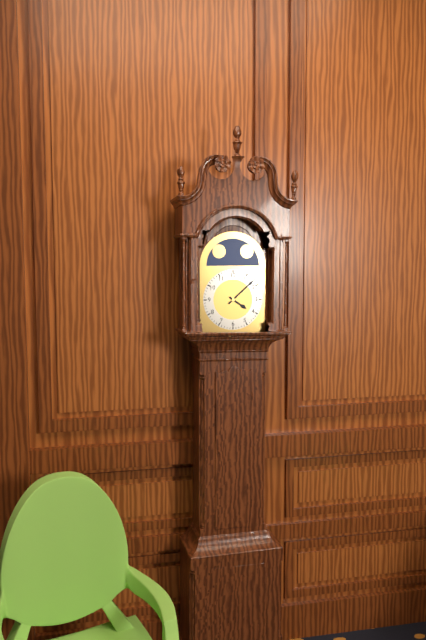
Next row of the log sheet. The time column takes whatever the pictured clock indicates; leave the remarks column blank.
4:08
